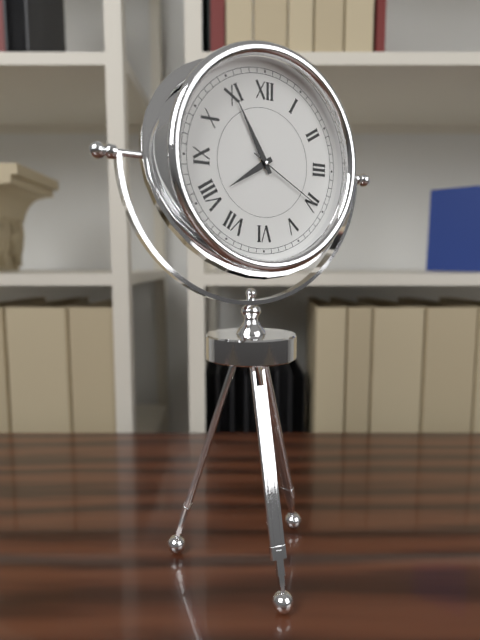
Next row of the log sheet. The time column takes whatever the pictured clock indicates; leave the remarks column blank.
7:55:20
